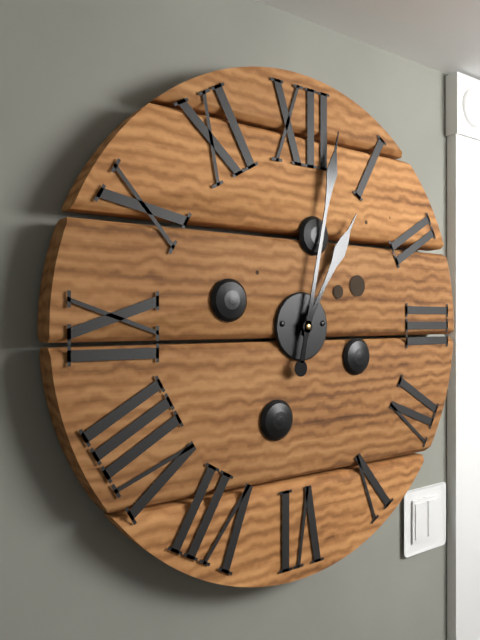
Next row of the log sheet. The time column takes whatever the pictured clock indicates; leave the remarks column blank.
1:02
